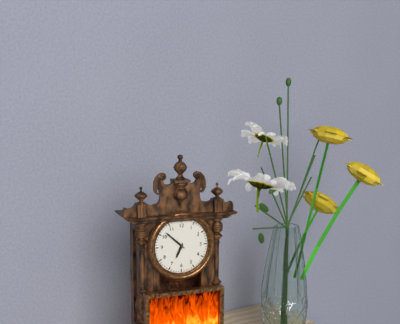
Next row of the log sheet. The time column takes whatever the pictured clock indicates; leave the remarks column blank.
6:52
